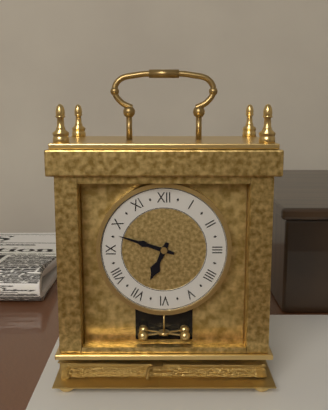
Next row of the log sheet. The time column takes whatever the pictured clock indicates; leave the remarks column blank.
6:48
